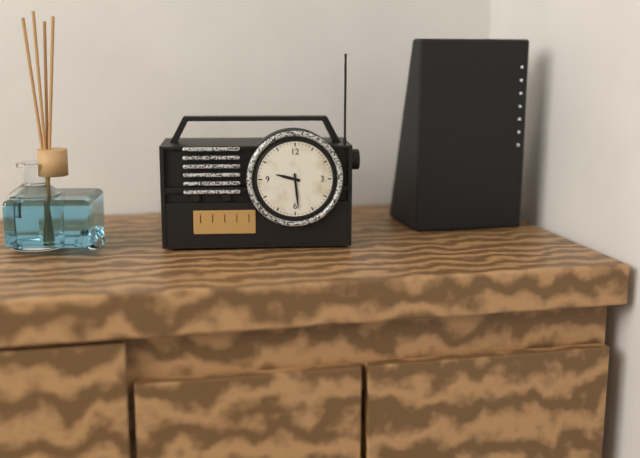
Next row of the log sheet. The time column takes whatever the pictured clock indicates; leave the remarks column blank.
9:29
